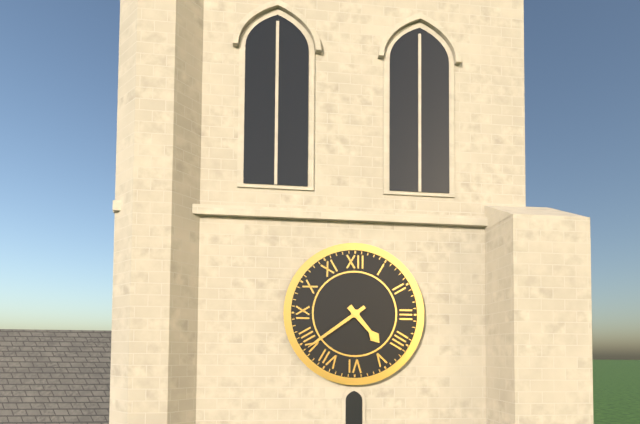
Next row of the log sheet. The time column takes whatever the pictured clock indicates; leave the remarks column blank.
4:39
